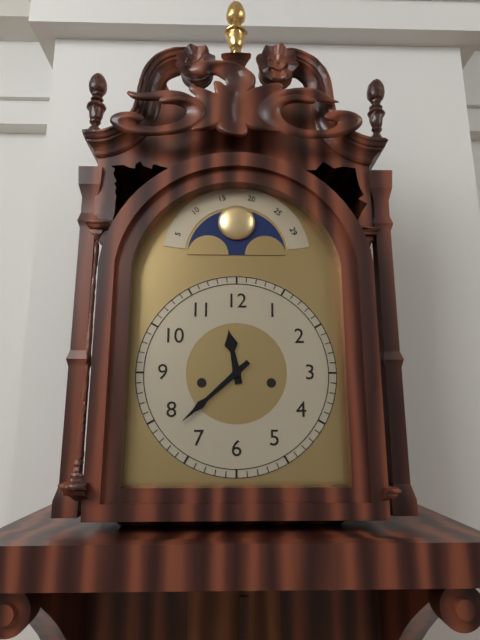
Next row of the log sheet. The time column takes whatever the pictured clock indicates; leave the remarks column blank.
11:38
